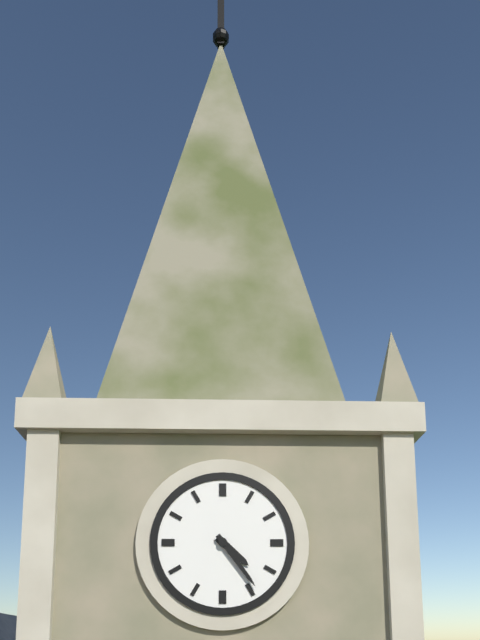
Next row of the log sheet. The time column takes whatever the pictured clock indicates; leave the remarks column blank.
4:24
